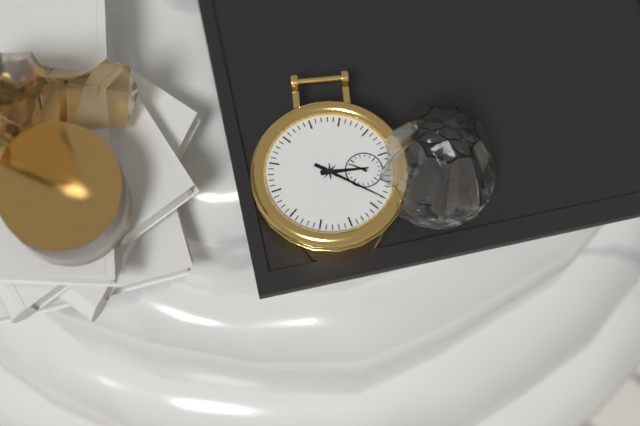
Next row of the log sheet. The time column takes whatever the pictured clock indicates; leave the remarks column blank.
4:28
